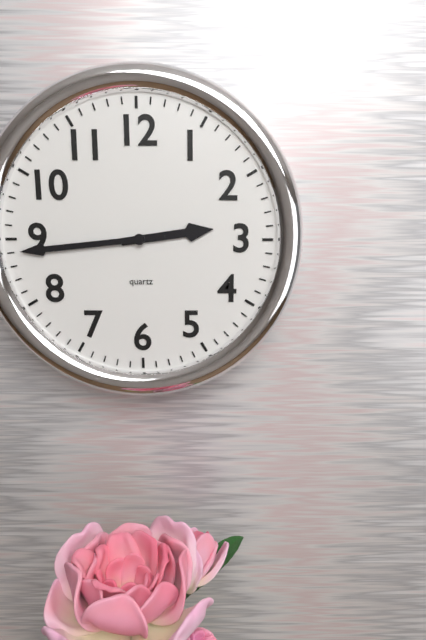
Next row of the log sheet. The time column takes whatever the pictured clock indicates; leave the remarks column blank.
2:44
